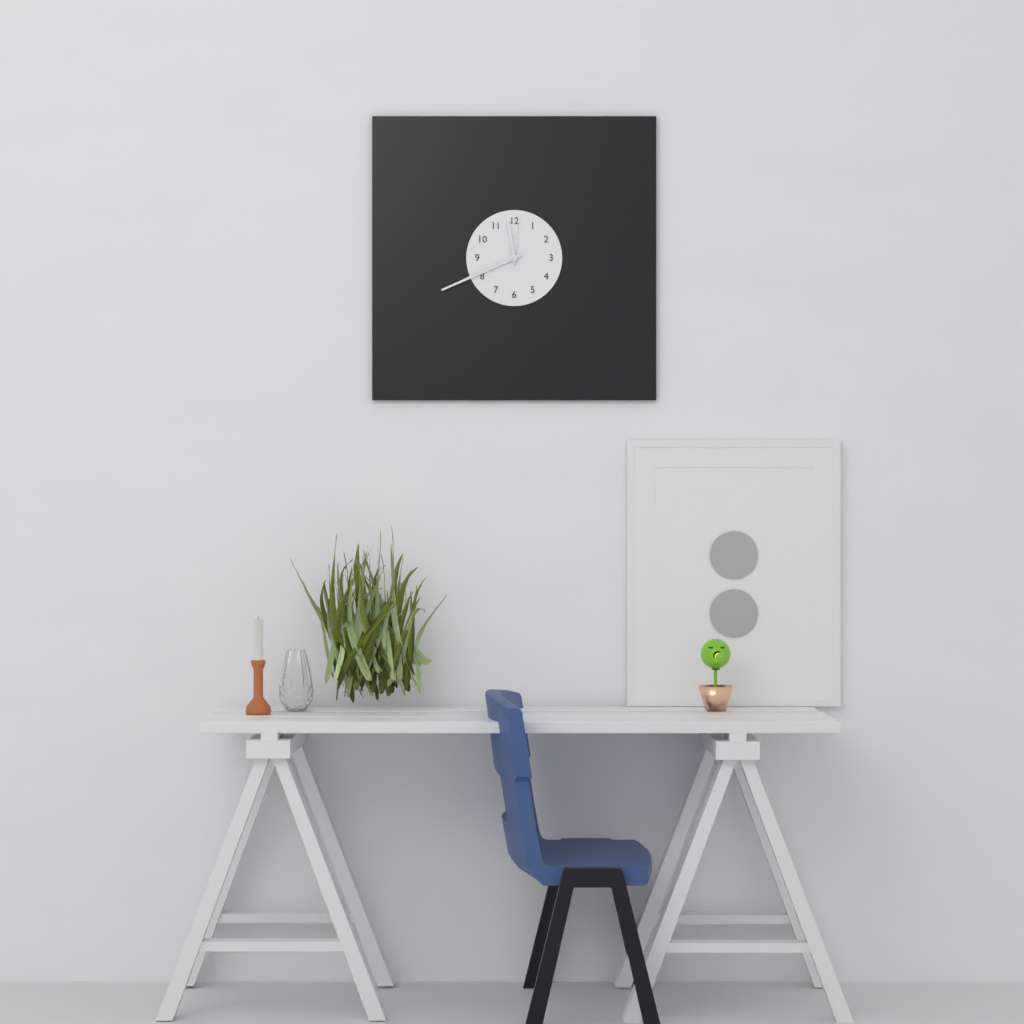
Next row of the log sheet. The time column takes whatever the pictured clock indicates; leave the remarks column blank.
11:41:01
